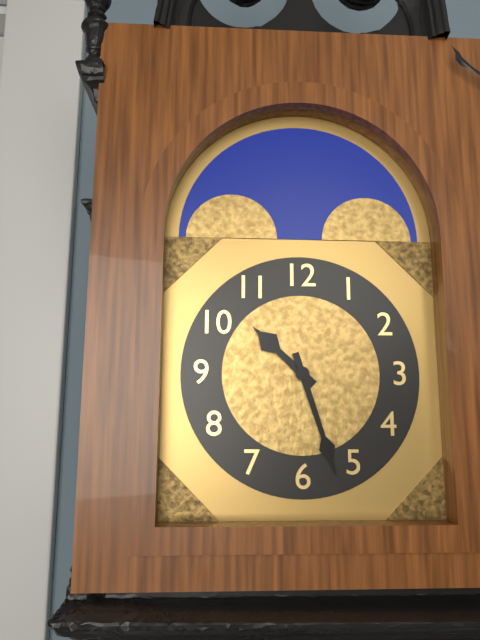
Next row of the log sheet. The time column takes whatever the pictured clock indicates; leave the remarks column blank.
10:27
